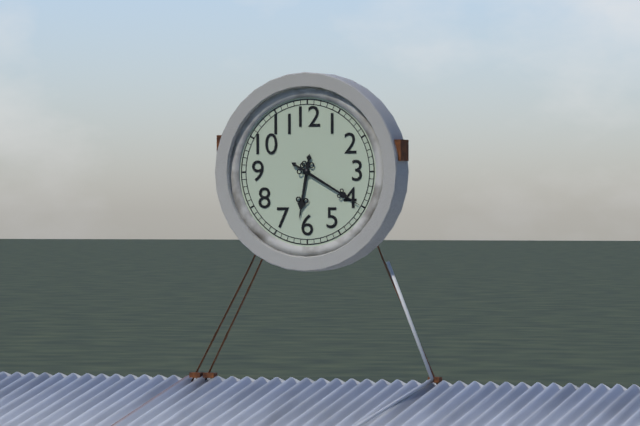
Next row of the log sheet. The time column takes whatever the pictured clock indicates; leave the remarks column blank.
6:20
